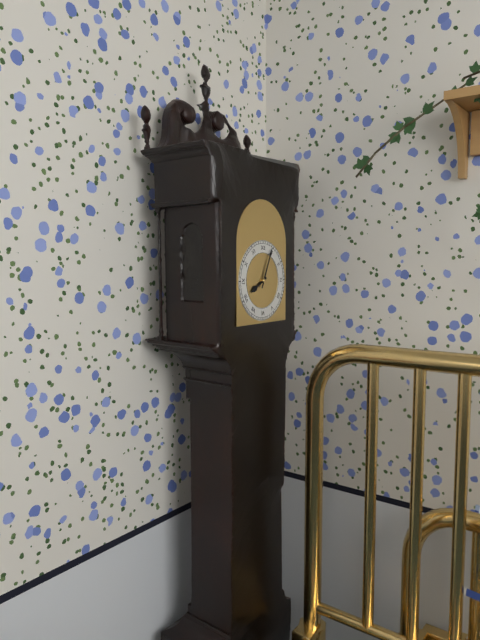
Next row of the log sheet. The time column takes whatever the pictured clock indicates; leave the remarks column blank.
8:04
